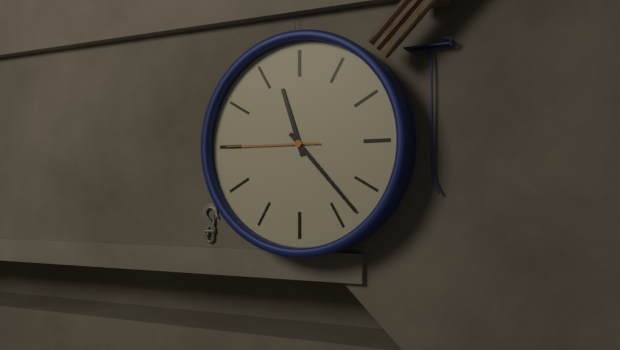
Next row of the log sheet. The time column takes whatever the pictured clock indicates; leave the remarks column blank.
11:23:45
